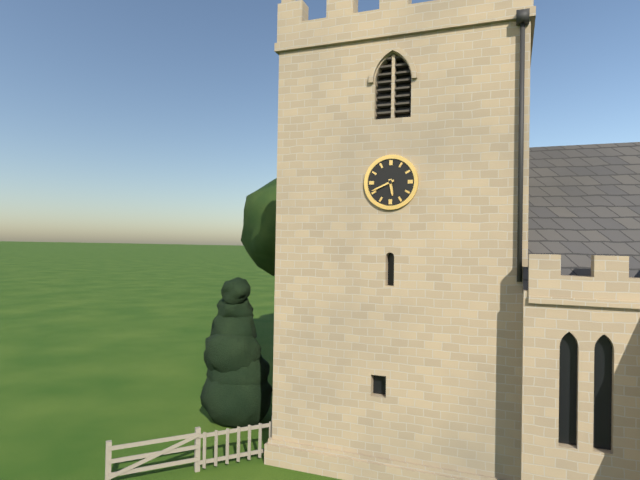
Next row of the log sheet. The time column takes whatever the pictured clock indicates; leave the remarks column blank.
5:41
